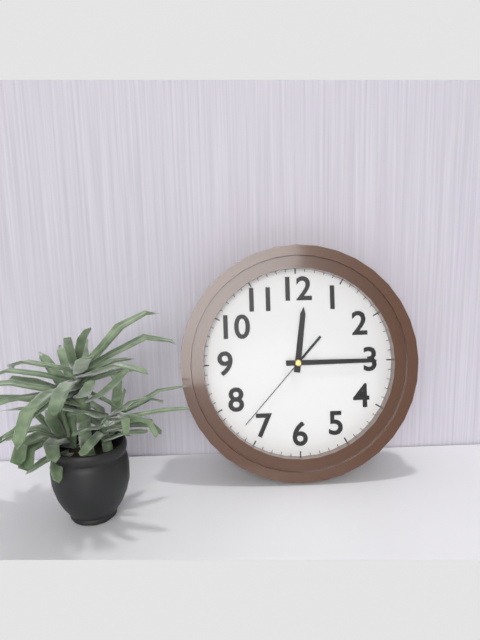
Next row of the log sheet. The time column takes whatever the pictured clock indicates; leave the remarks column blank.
12:15:37
